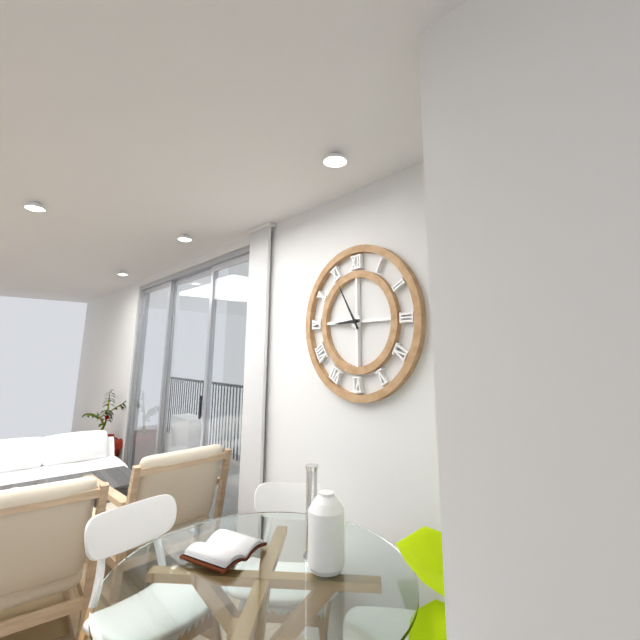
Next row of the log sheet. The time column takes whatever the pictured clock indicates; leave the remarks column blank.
8:55
